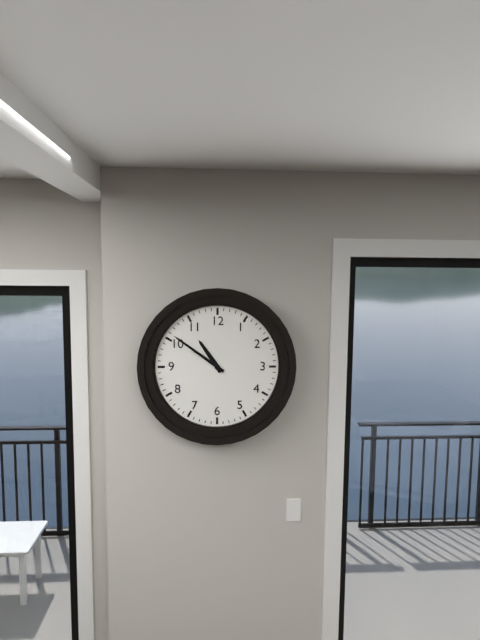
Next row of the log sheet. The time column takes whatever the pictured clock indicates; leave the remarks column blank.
10:51
